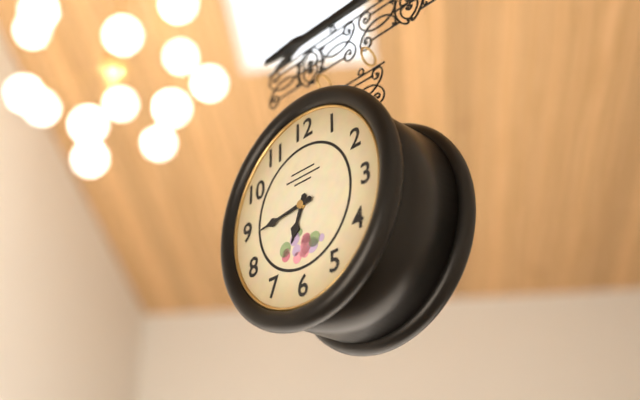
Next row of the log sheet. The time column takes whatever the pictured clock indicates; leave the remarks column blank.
6:44
